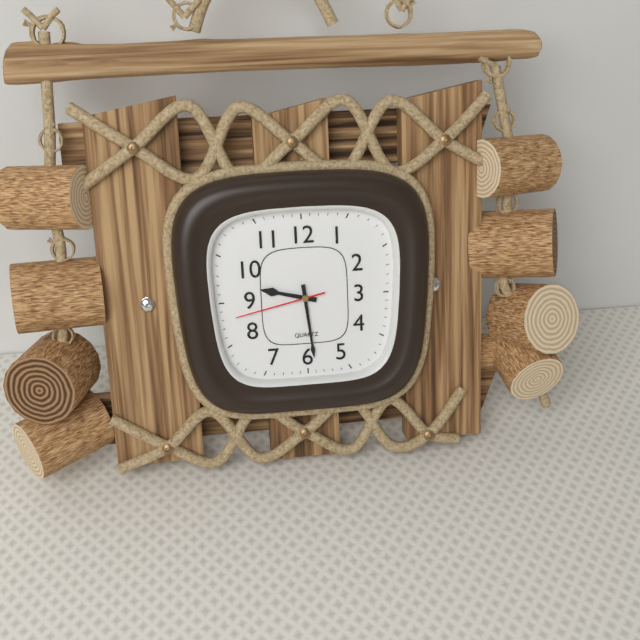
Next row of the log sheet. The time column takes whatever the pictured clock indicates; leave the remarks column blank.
9:29:43
